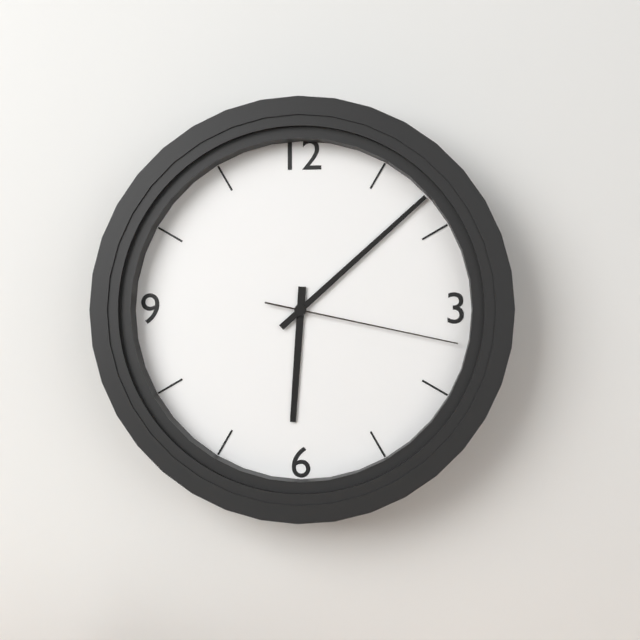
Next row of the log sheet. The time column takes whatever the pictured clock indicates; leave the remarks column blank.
6:08:17
